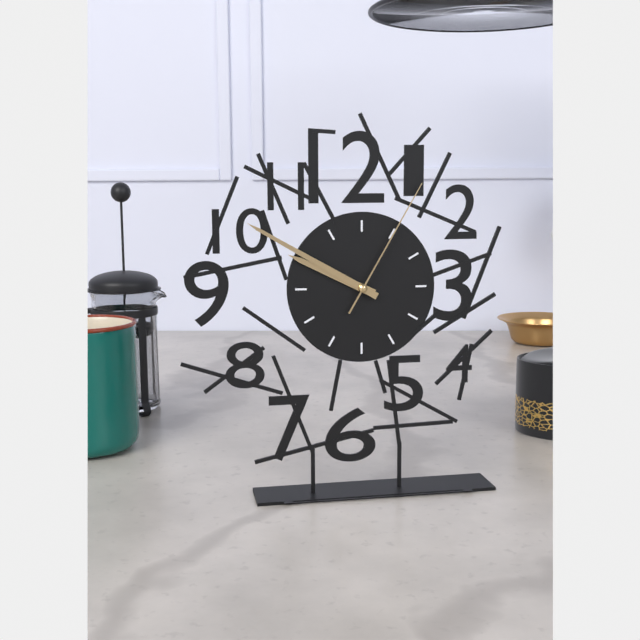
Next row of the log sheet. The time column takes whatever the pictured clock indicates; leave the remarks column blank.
9:50:05
